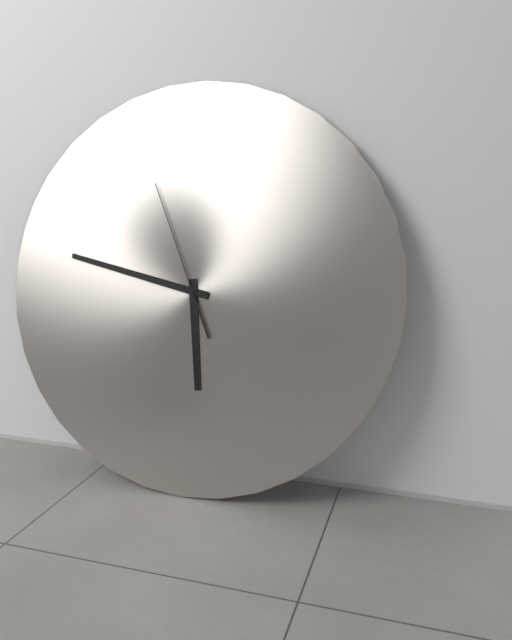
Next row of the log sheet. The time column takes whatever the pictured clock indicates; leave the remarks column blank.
5:47:56
